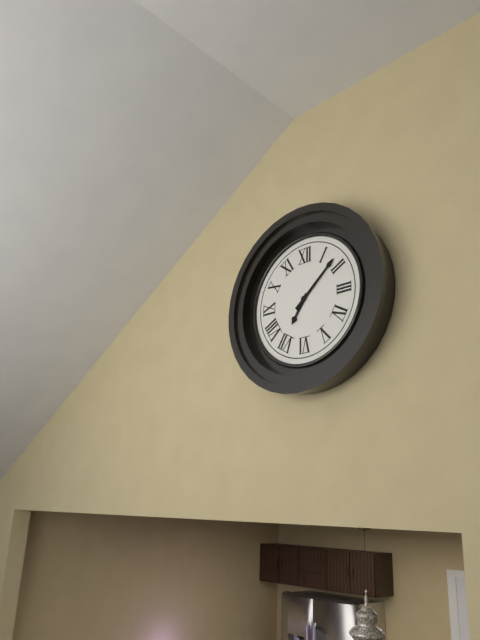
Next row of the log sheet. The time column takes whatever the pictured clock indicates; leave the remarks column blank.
7:08
